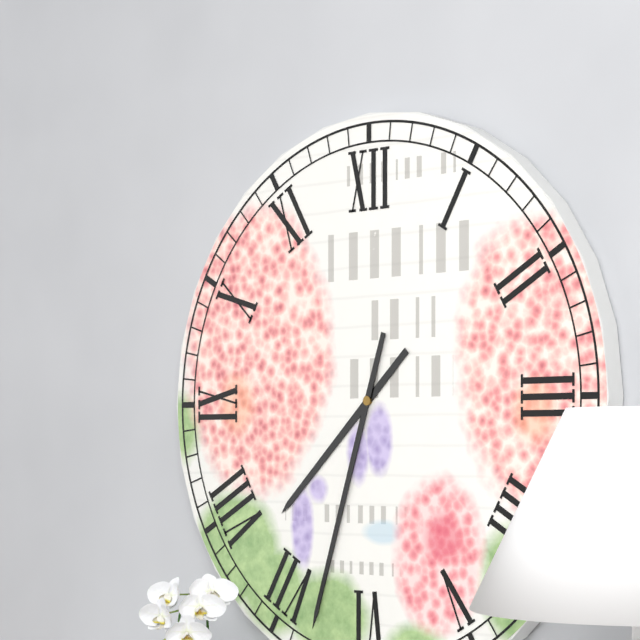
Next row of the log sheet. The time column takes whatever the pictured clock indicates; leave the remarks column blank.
7:33
